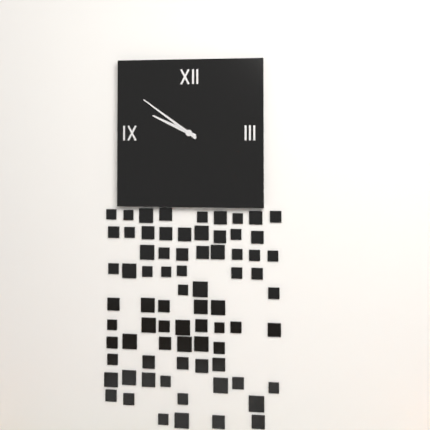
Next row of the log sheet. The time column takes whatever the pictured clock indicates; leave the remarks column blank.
9:51
